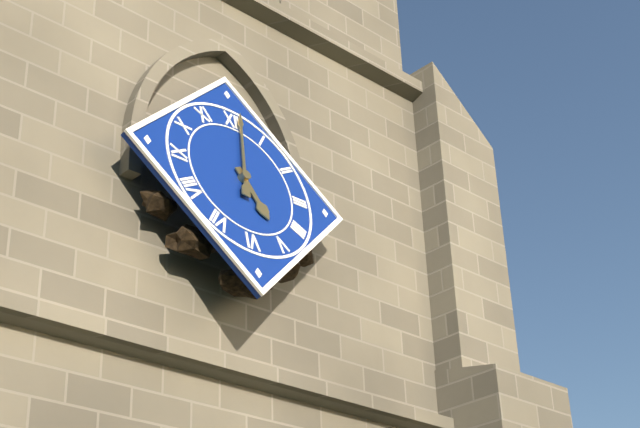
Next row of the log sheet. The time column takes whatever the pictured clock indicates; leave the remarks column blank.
5:01
